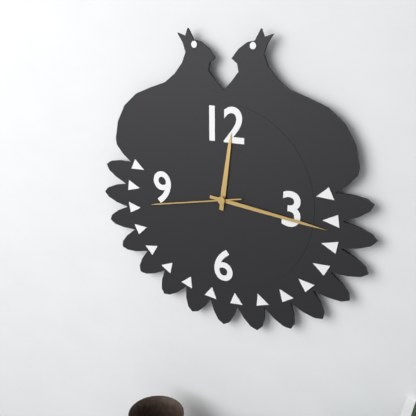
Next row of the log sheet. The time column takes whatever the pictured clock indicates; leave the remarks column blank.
12:16:43
